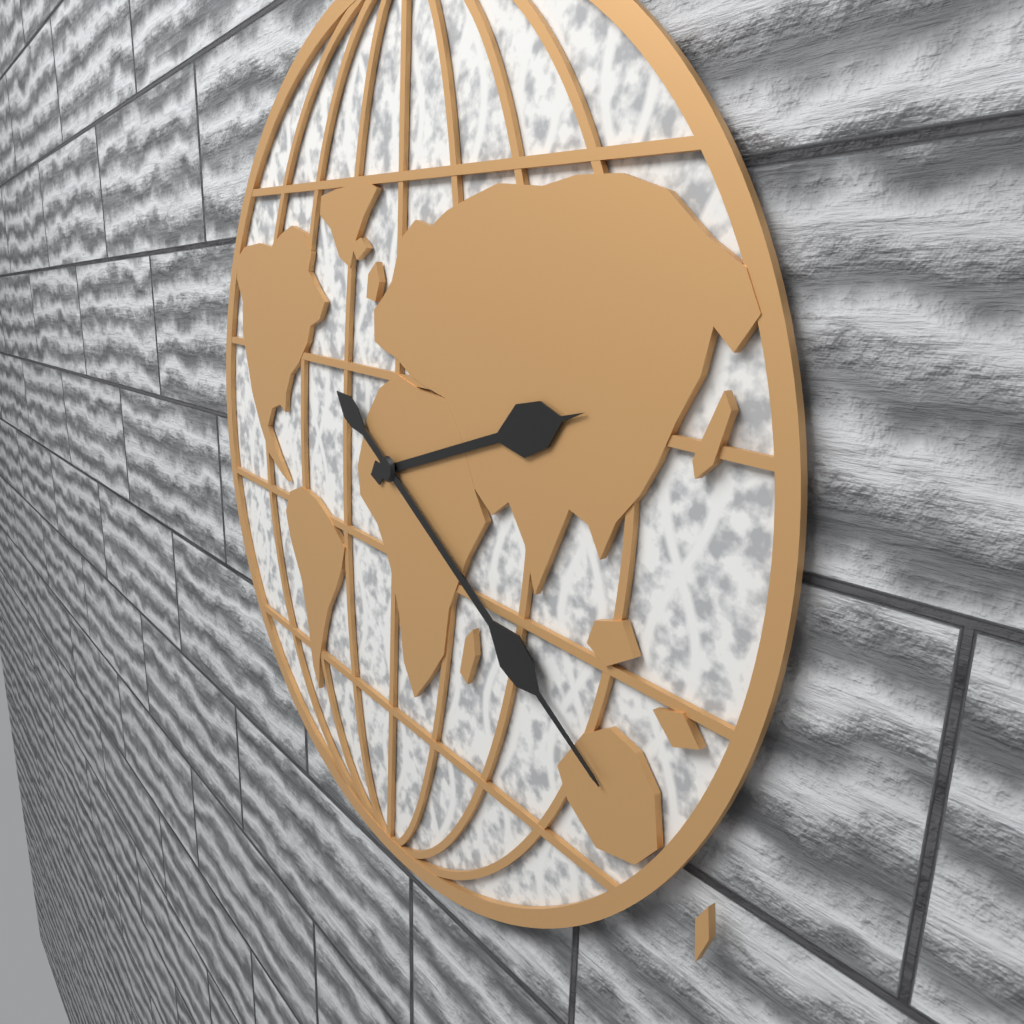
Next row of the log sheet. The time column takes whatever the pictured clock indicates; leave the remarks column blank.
2:20
